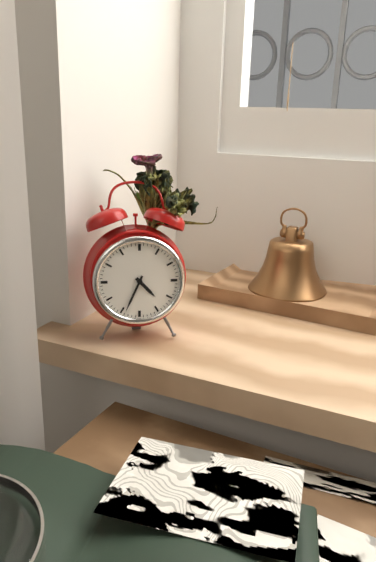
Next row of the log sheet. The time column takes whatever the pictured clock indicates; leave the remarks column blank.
4:34
